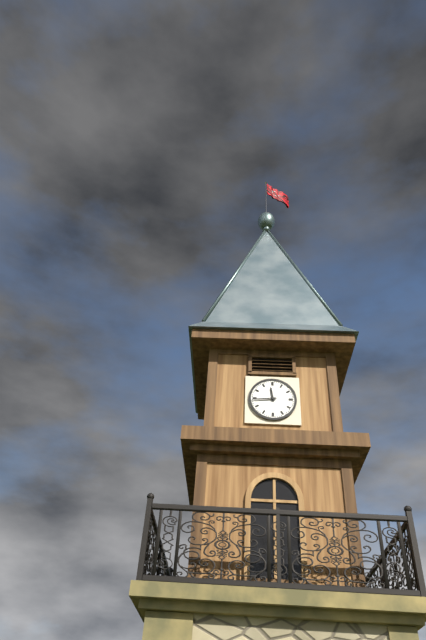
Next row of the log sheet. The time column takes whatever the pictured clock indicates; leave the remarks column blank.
11:44
